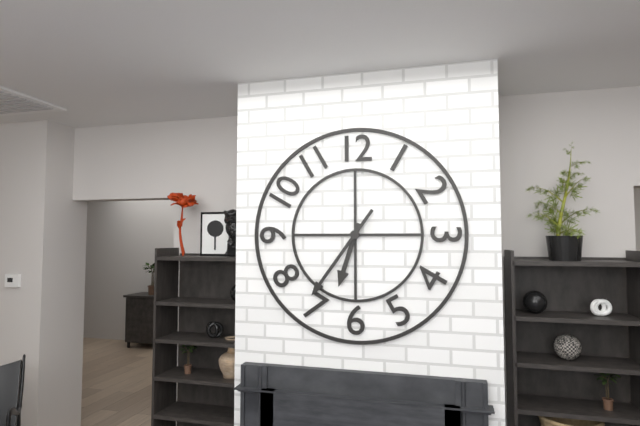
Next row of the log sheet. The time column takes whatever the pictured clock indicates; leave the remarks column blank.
6:36
